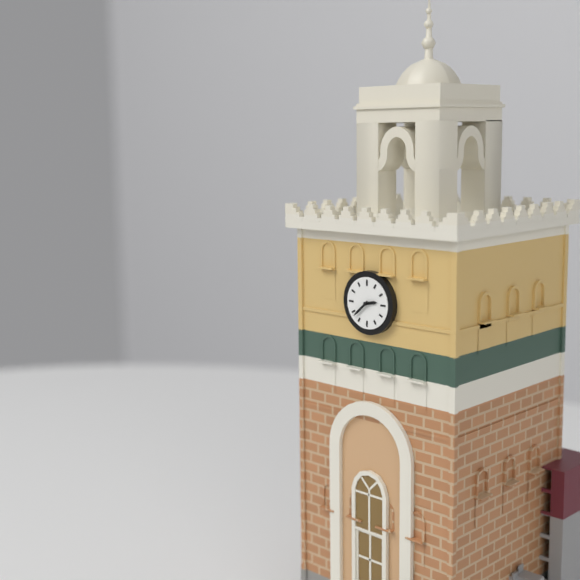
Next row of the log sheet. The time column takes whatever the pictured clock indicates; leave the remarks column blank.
2:38
